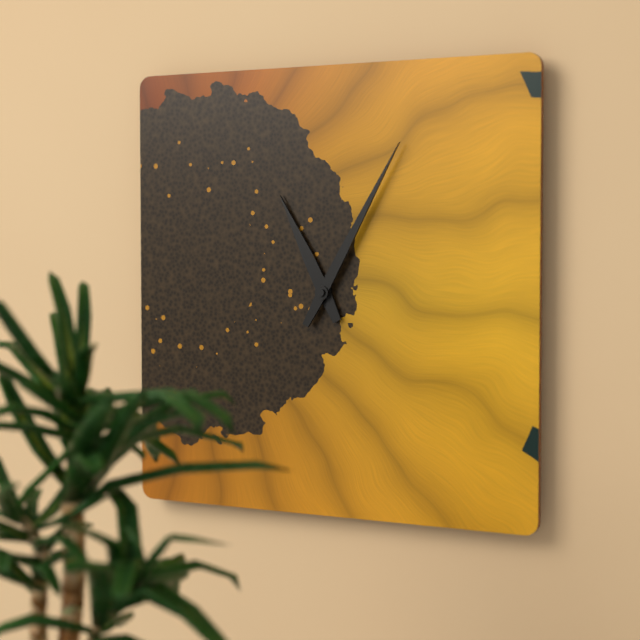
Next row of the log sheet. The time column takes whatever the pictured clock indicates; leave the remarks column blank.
11:05
